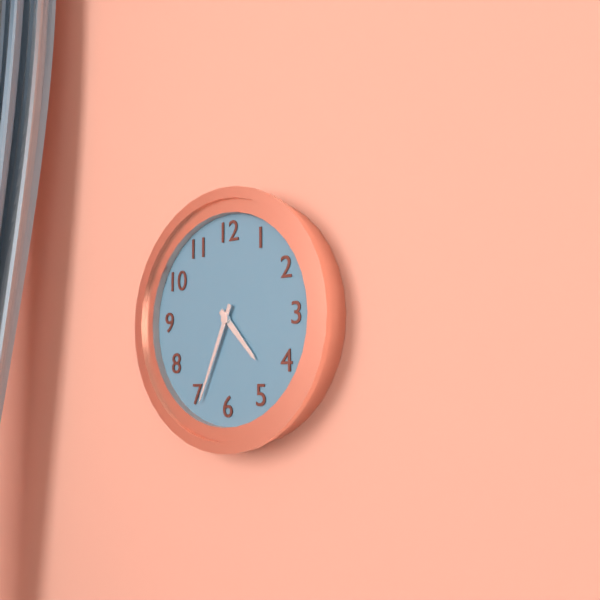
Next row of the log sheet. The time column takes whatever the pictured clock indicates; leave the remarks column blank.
4:34
